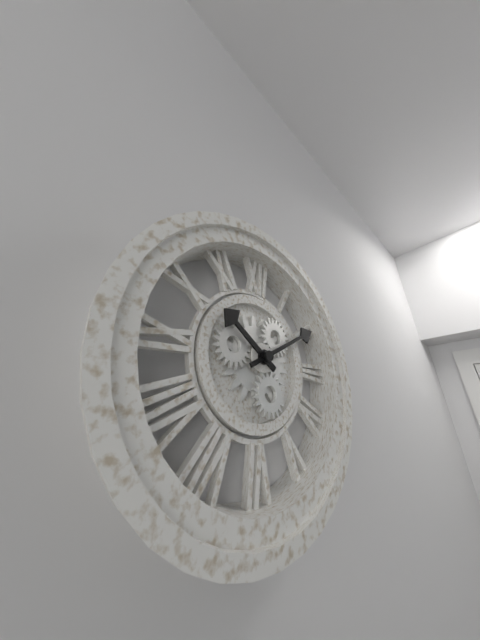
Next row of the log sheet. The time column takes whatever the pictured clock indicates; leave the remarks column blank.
10:10
